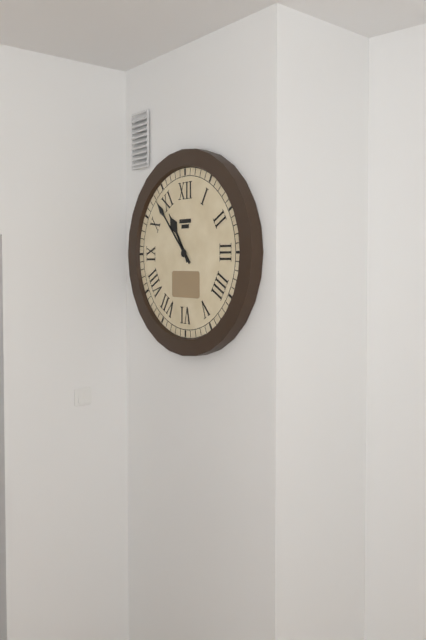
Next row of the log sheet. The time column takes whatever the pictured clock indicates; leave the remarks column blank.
10:53
